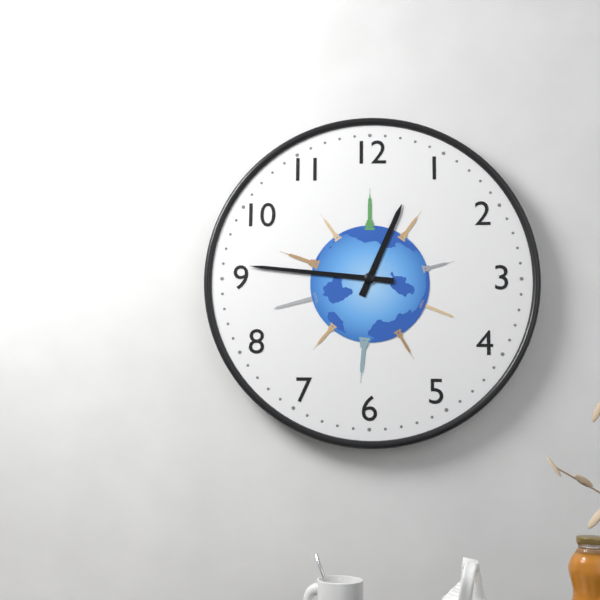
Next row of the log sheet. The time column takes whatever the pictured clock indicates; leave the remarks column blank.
12:46
